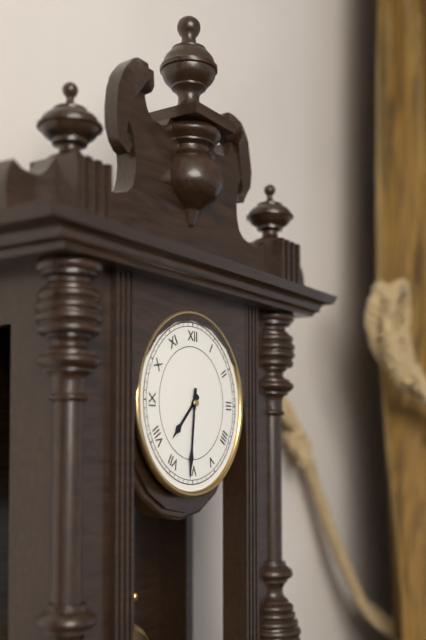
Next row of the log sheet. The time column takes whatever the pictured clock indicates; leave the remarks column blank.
7:31
